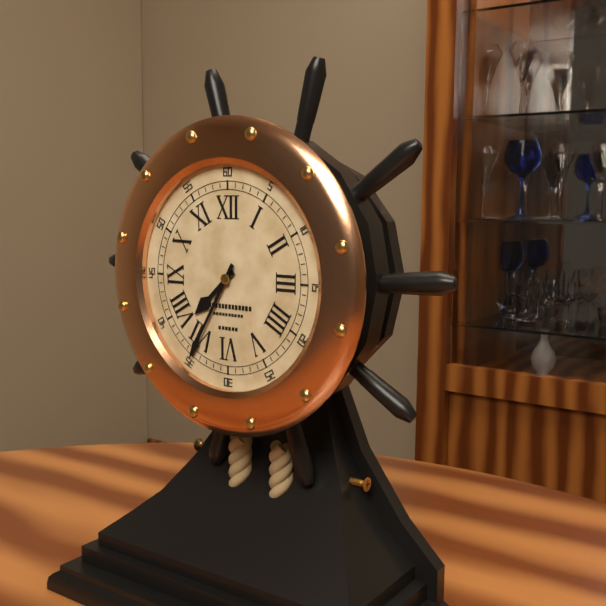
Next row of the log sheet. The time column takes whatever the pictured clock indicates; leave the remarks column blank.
7:35
